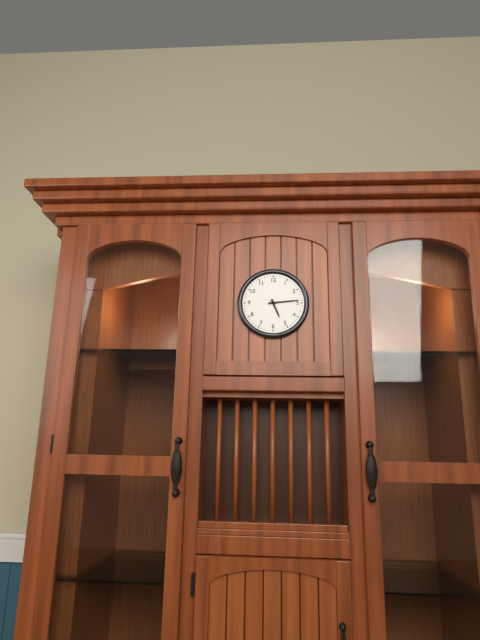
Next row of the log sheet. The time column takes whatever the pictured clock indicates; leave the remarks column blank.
5:14
